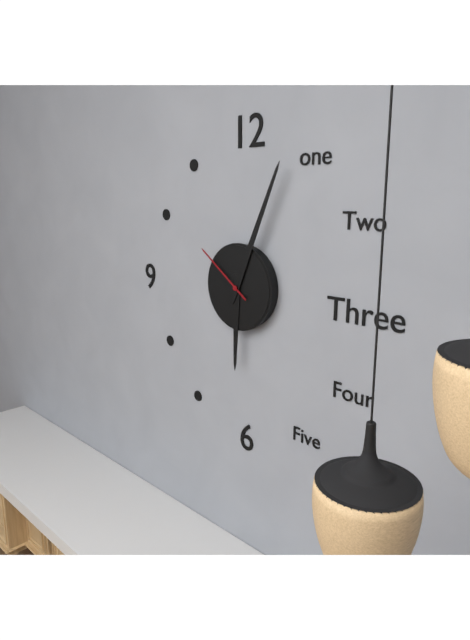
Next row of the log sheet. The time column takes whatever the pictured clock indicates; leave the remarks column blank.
6:04:51
